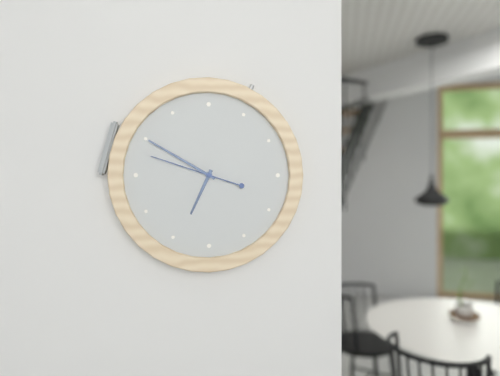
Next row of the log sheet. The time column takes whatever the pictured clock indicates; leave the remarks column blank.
6:50:48
